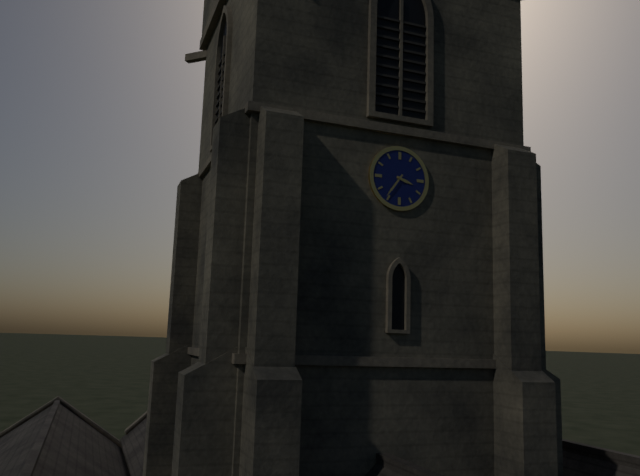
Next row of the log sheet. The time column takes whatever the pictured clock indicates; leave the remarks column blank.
3:36
